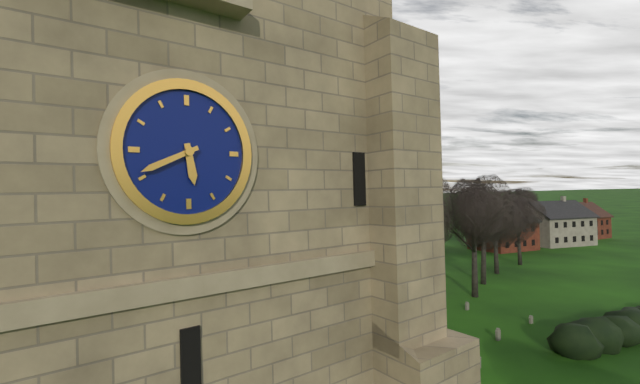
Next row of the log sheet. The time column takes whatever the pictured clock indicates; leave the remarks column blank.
5:41
